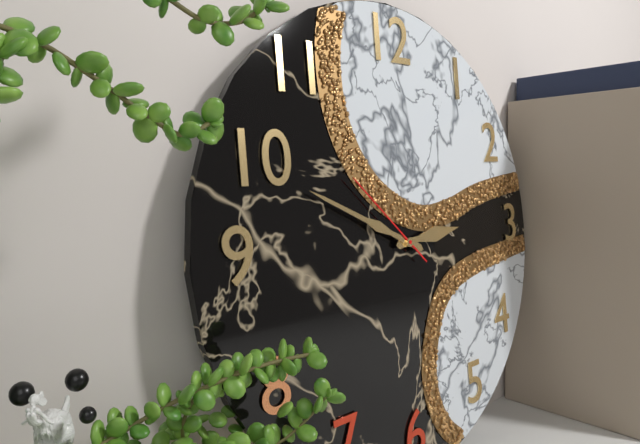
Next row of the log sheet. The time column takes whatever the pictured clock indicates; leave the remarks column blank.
2:49:52
